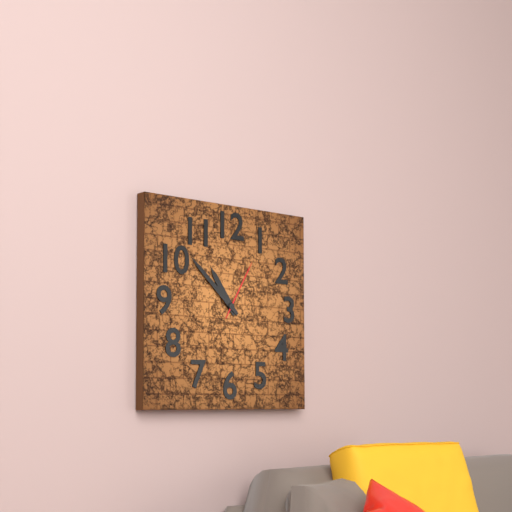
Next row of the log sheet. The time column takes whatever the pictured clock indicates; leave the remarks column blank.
10:52:05
